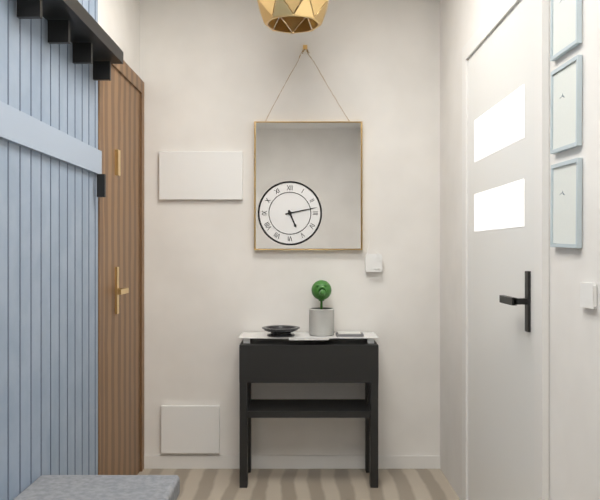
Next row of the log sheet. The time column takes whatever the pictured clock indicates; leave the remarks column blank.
5:13
